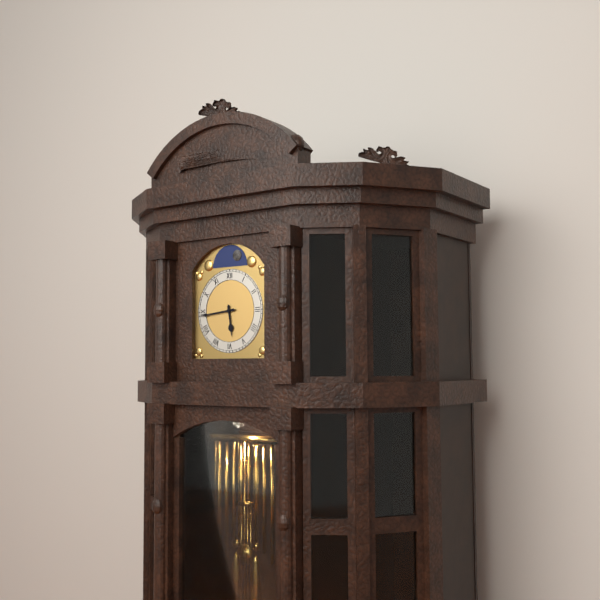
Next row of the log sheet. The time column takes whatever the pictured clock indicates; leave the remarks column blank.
5:44
